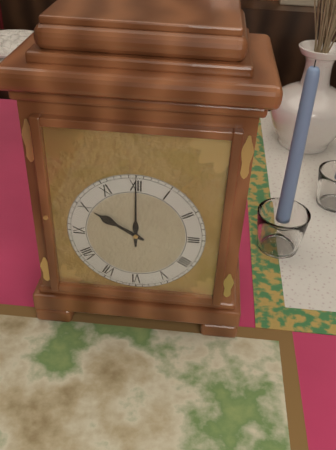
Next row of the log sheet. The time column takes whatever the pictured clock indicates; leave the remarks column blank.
10:00
